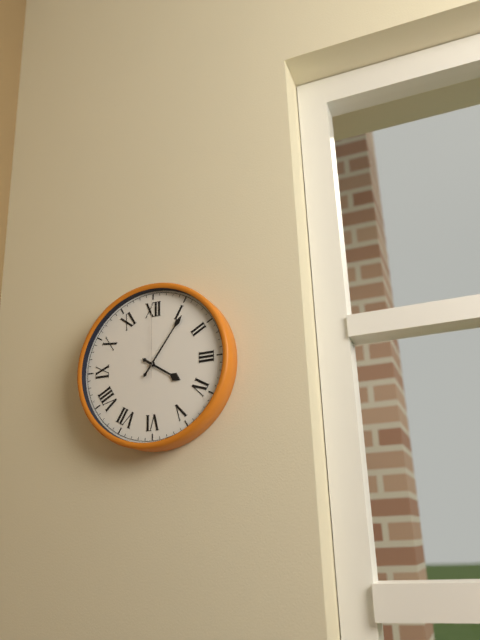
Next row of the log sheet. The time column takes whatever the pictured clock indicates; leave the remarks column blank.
4:06:00
